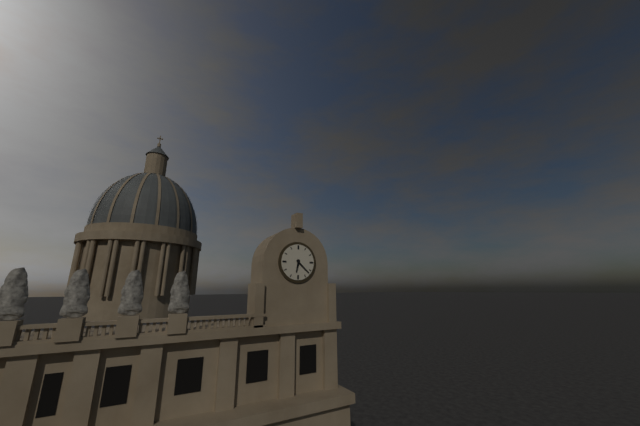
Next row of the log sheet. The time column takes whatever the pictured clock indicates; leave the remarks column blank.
6:22
